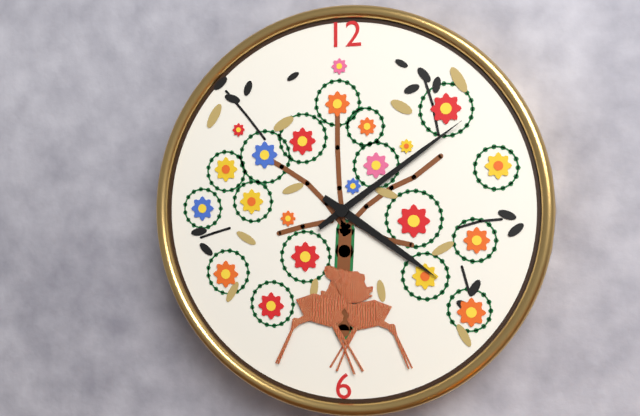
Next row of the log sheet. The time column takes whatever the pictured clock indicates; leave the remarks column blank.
4:09
